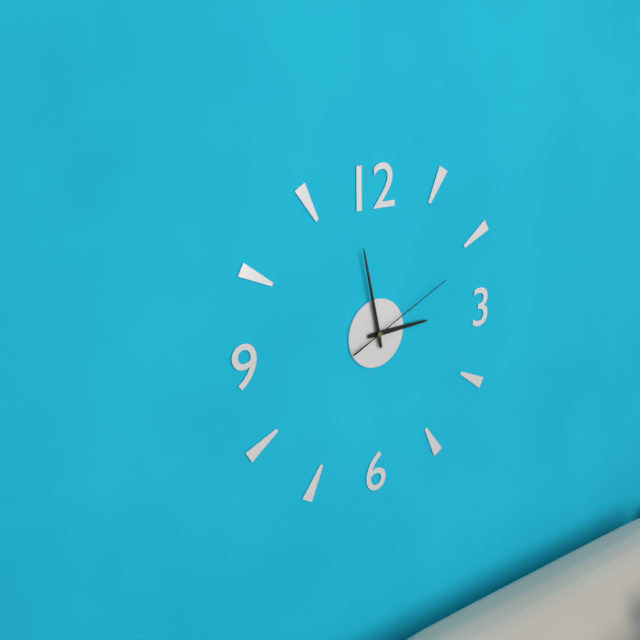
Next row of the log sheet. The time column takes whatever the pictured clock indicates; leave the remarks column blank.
2:58:11
